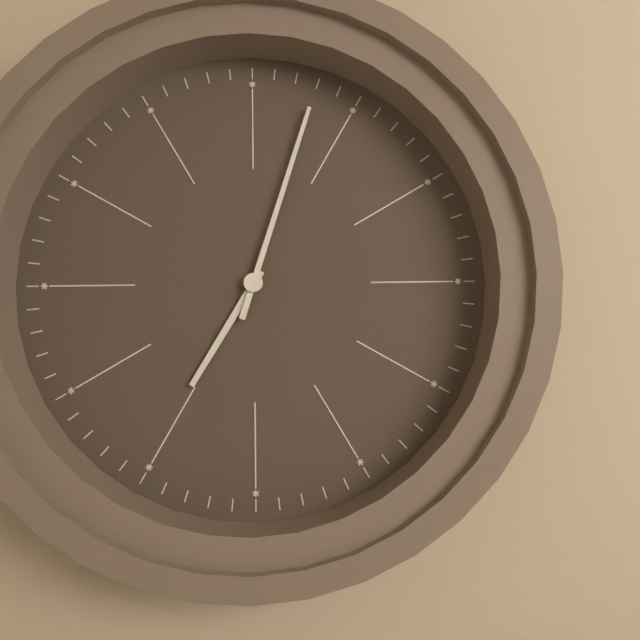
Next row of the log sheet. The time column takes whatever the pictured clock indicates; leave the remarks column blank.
7:03
